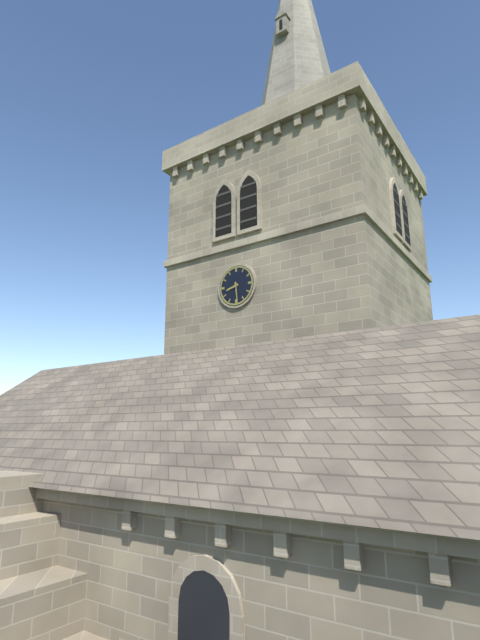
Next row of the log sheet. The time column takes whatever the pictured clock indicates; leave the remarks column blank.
8:29
